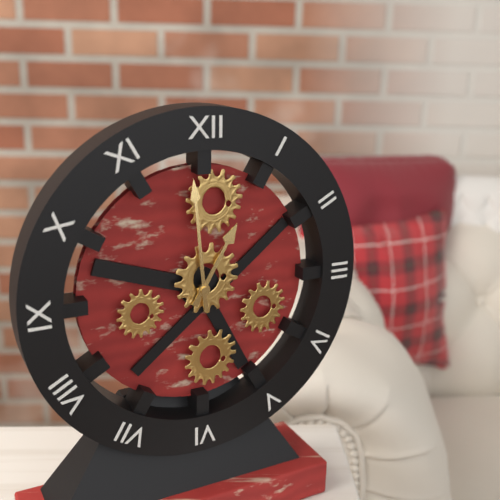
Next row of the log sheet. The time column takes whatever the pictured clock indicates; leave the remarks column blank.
12:59
